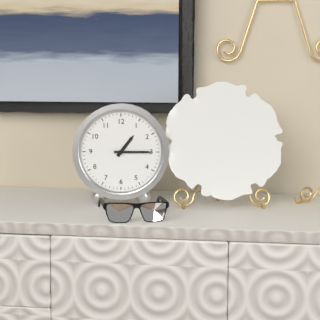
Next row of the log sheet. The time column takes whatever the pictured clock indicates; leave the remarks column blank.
1:15
